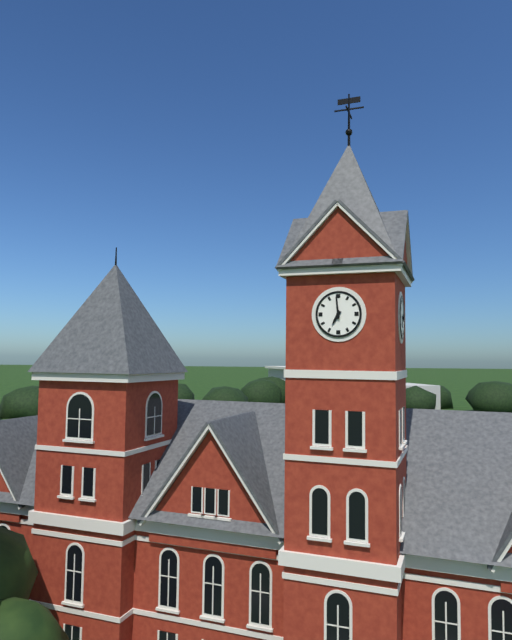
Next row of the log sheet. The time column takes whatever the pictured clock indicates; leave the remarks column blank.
6:59
